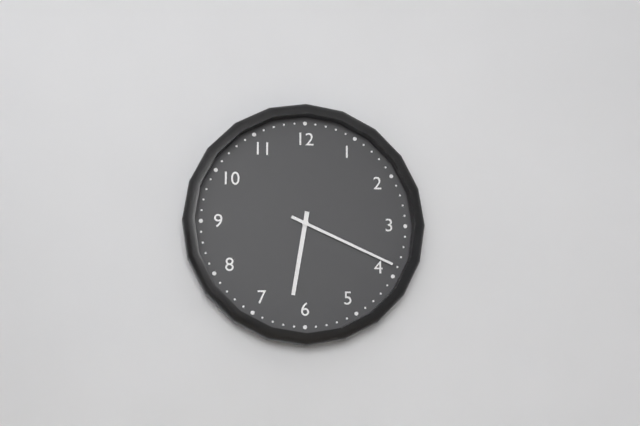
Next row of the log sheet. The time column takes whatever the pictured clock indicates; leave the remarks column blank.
6:19
